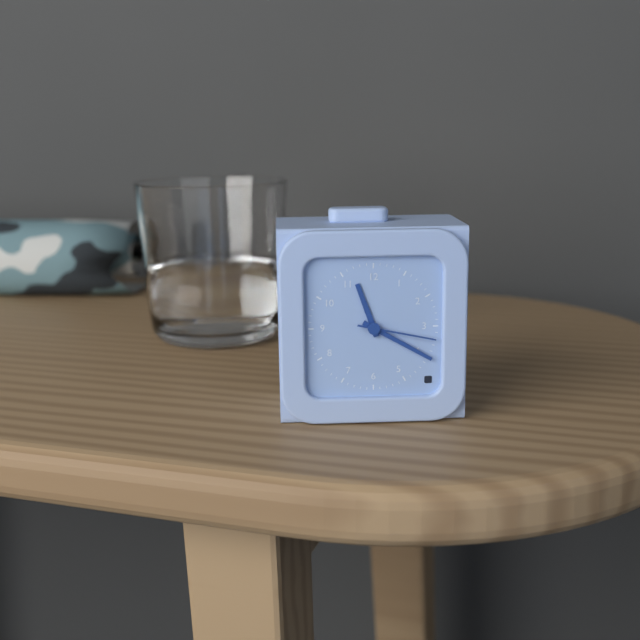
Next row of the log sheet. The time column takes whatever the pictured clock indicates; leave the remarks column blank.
11:20:17
